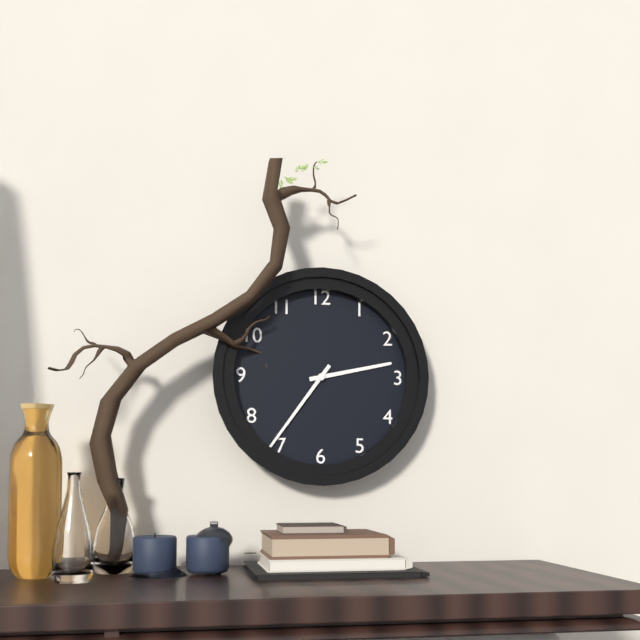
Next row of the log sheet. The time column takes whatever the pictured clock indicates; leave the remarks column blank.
2:36
